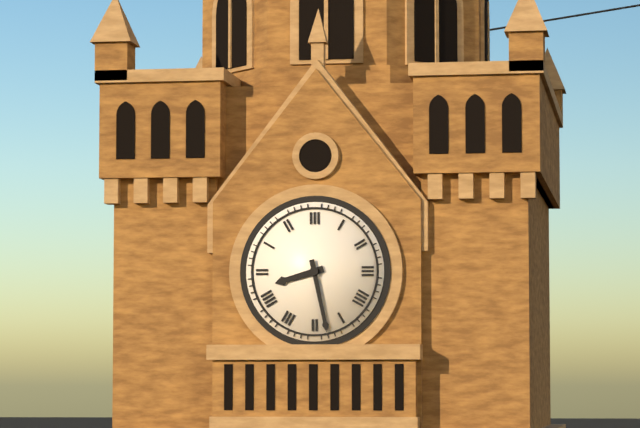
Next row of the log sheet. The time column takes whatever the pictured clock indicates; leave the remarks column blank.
8:28
